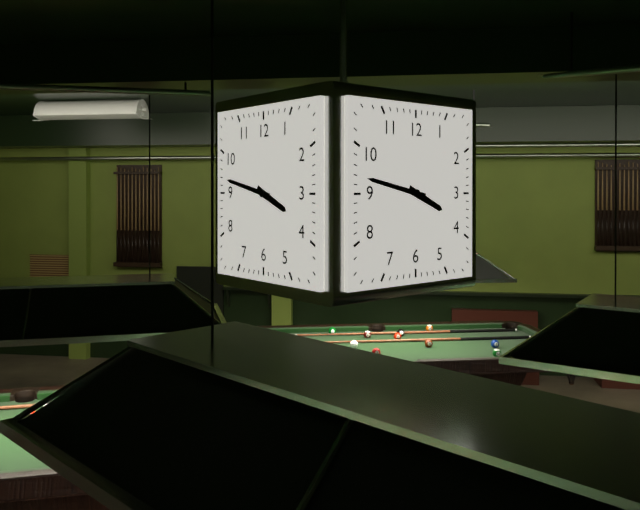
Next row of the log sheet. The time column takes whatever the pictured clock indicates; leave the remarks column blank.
3:47
